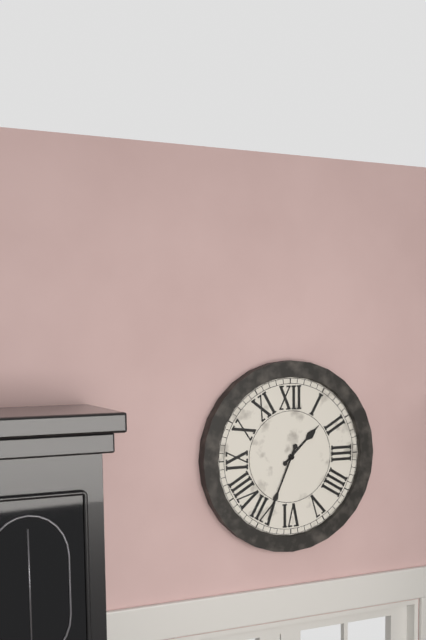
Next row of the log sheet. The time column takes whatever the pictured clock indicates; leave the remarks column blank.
1:34
